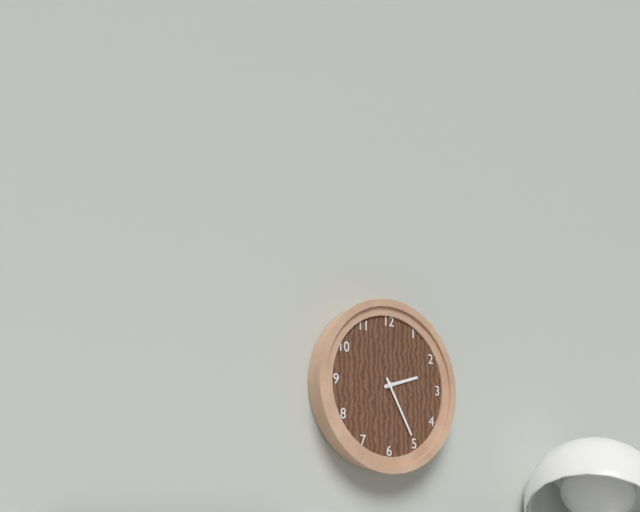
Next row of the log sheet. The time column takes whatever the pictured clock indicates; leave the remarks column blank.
2:25
